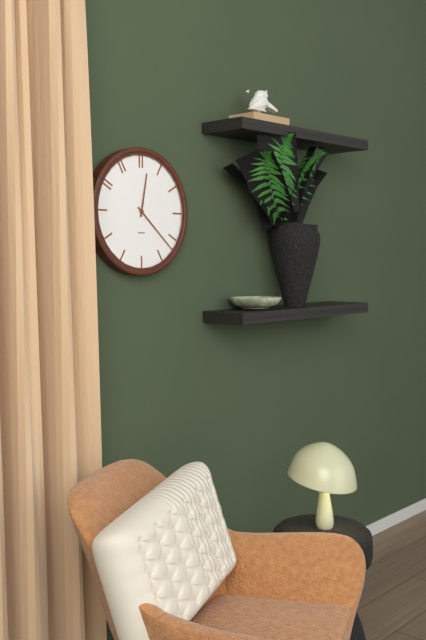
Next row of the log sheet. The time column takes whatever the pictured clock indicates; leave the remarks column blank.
12:22
